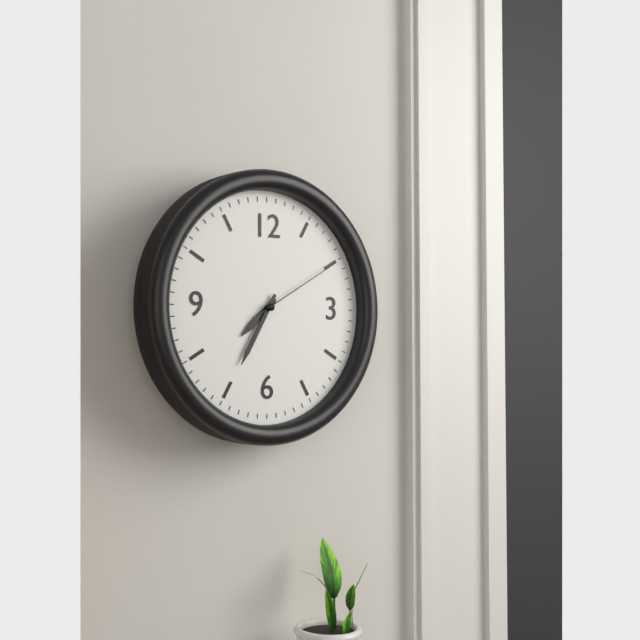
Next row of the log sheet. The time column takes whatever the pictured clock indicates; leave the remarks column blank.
7:35:10
